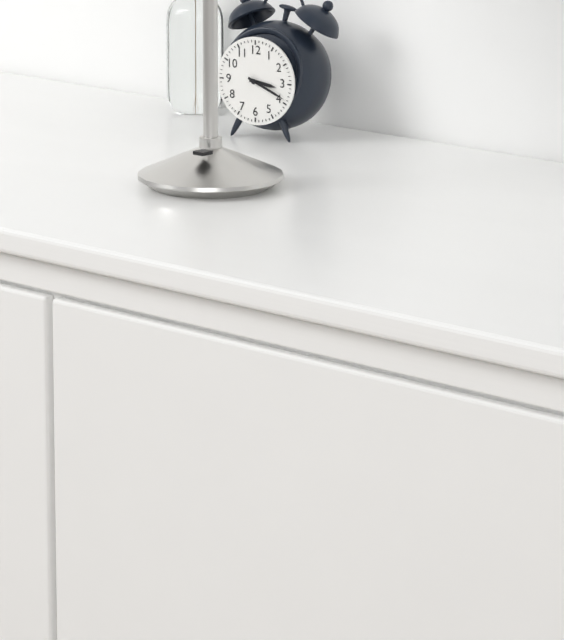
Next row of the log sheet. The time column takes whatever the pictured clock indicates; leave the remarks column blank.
3:19
